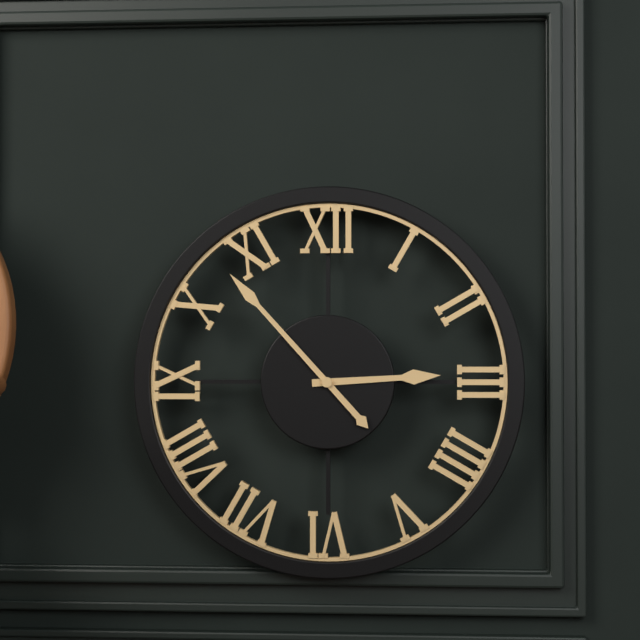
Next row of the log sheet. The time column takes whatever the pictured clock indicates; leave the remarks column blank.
2:53
